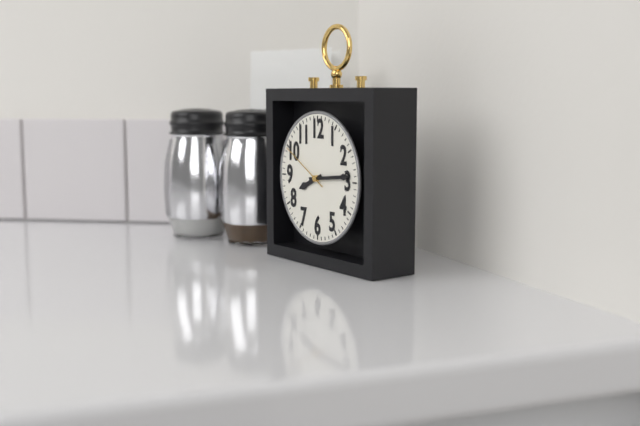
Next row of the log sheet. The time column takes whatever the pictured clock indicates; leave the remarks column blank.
8:14:50
